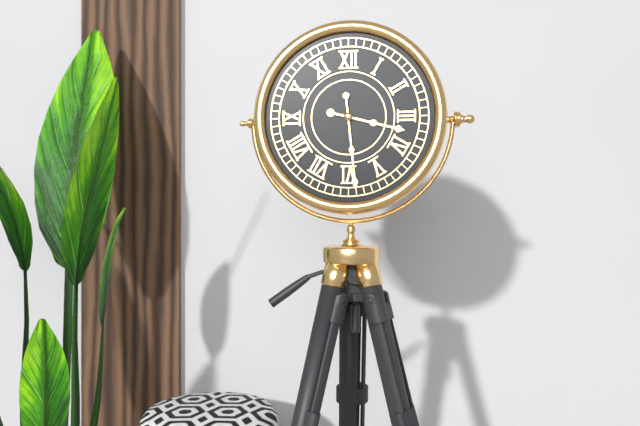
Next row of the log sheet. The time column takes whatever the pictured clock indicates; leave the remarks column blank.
3:29
